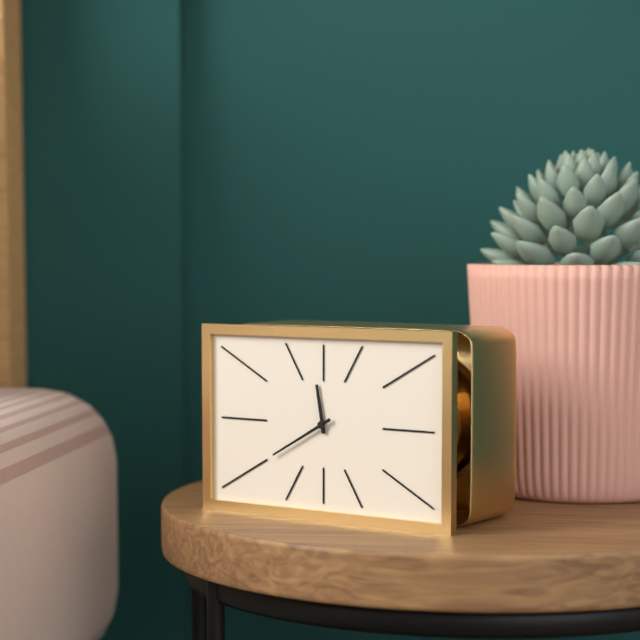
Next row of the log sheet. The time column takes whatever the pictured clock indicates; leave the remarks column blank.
11:40
